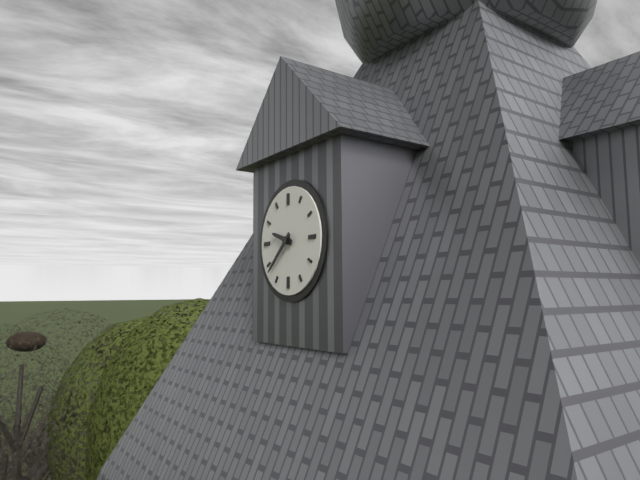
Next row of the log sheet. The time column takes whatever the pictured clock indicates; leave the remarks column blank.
9:38
